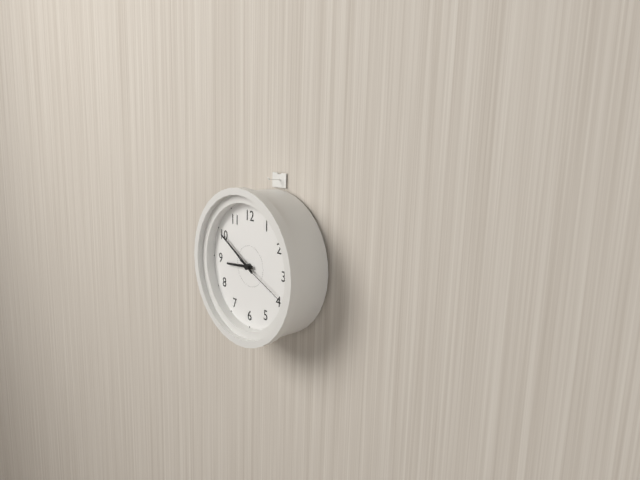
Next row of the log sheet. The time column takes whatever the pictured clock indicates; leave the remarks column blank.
8:50:19
